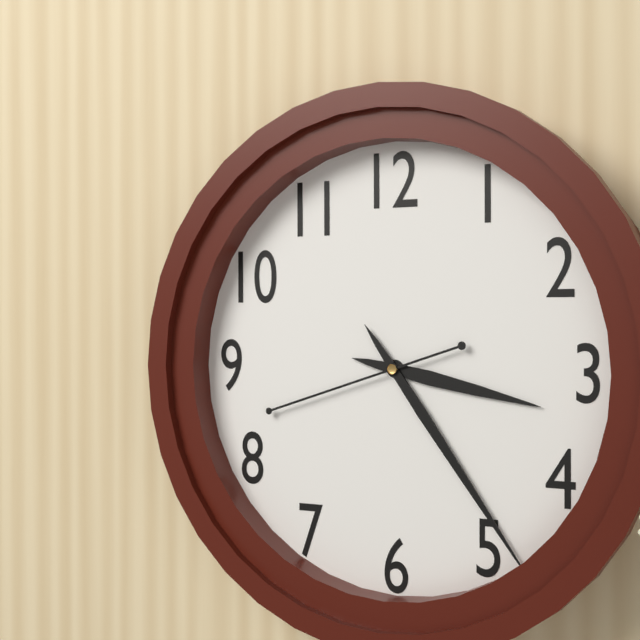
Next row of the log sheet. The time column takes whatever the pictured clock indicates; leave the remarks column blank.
3:24:42
